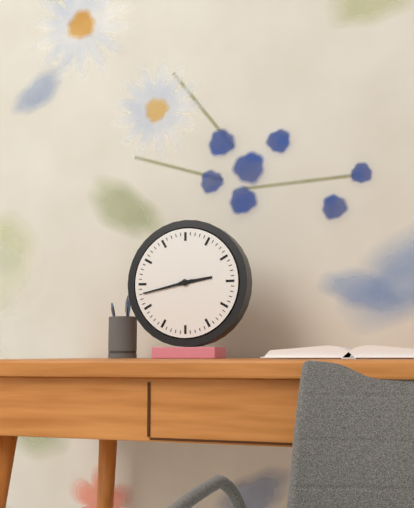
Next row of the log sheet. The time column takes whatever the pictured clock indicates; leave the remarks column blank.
2:43
